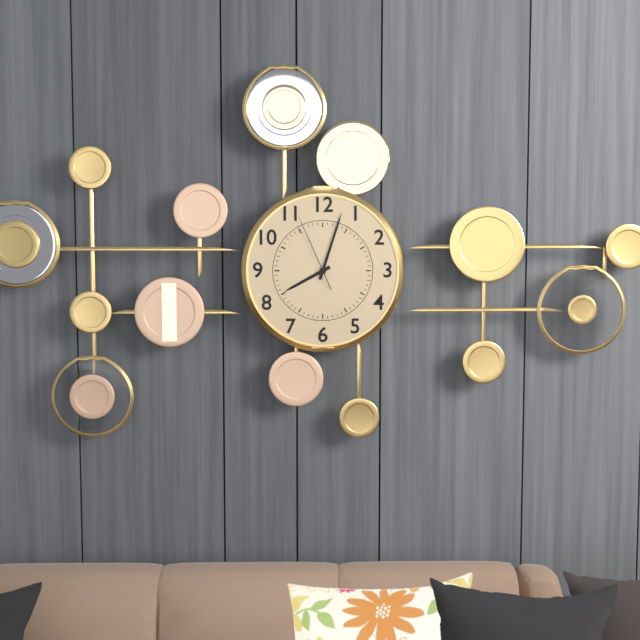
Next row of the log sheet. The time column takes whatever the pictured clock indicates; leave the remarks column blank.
8:03:56
